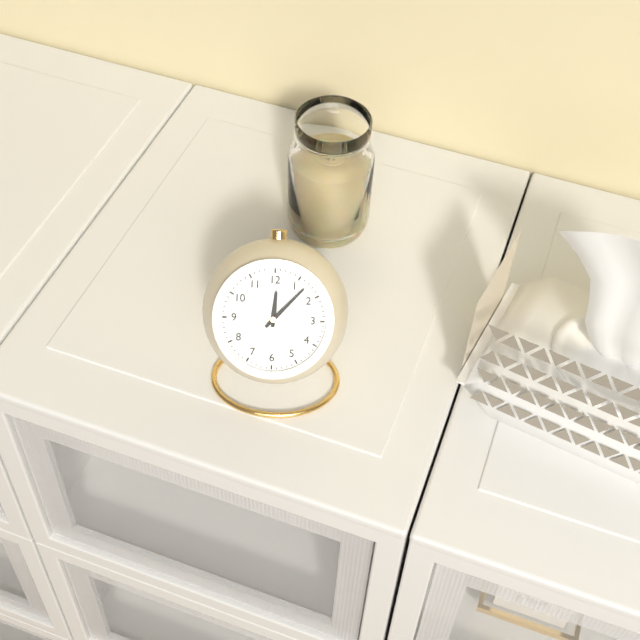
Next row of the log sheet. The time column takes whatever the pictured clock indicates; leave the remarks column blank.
12:07
